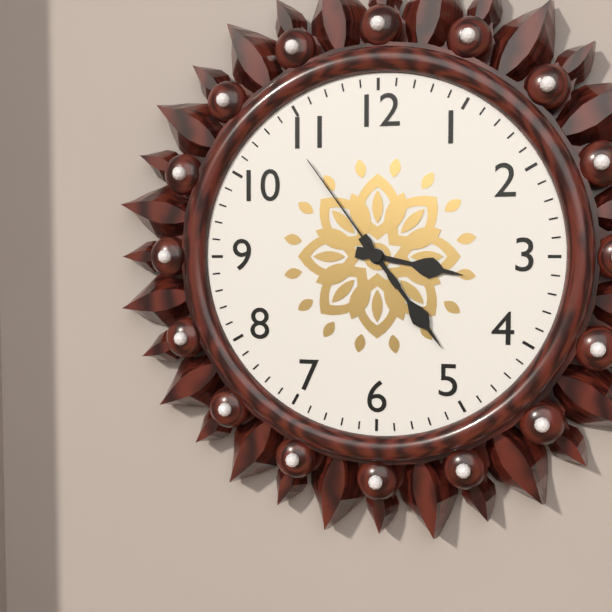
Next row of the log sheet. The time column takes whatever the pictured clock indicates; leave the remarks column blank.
3:24:54
